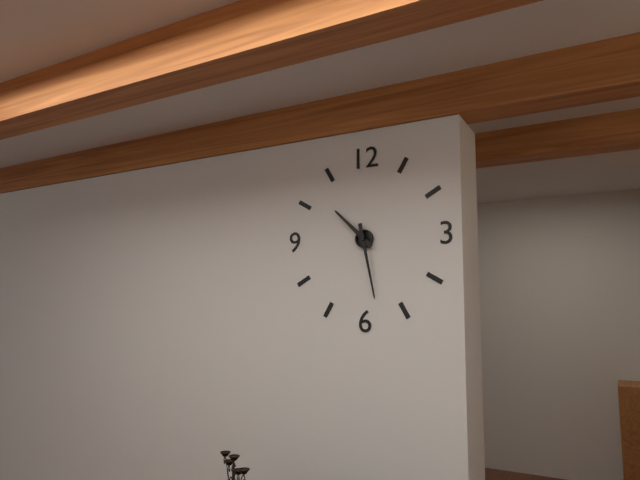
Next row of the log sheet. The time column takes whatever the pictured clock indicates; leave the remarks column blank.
10:28
